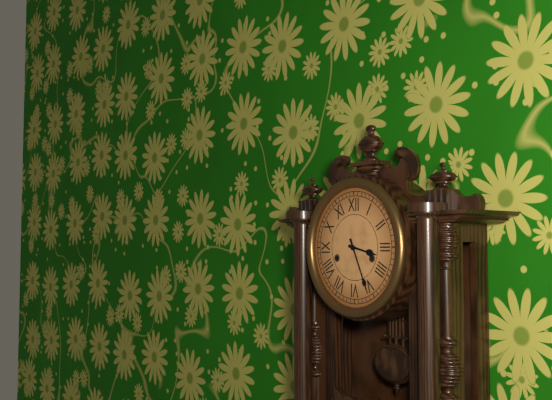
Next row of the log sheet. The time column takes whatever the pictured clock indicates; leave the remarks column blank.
3:26
